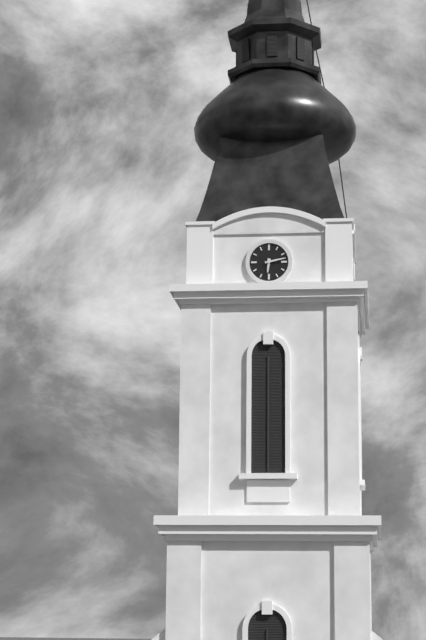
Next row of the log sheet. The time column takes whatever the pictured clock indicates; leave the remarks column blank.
6:13
